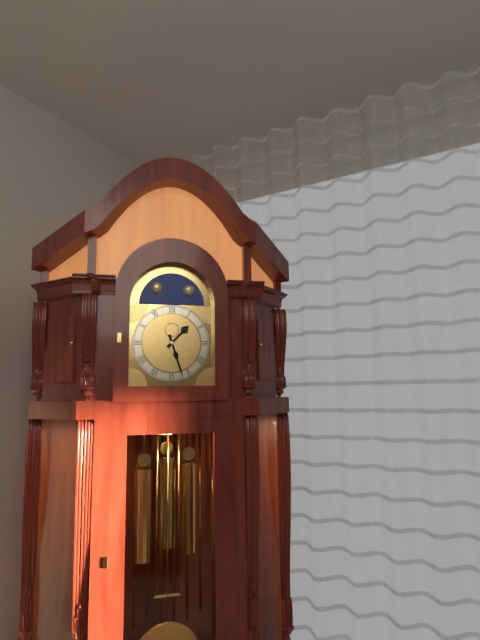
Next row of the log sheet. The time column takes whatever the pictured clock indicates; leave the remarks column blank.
1:27
